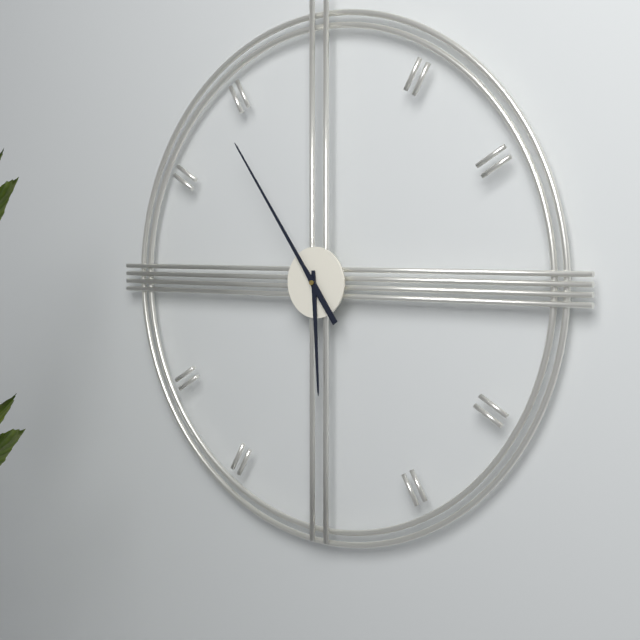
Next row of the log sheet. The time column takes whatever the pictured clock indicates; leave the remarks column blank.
5:54
